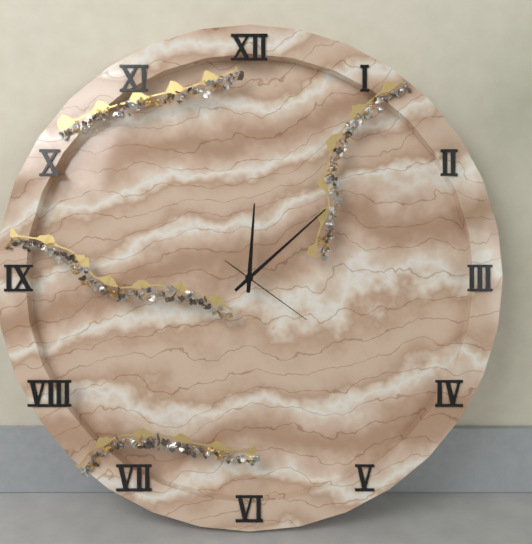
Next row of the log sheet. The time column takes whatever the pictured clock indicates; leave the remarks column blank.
12:08:21
